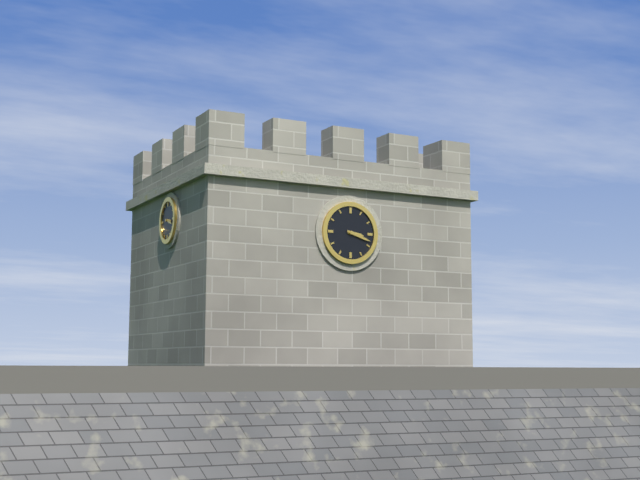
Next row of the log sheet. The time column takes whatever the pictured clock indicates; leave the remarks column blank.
3:18
